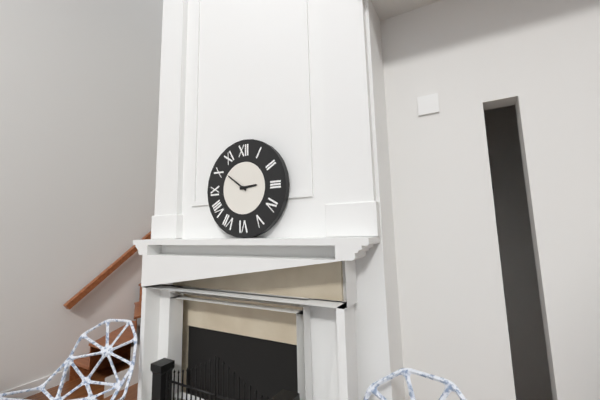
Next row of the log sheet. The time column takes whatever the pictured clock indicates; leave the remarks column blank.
2:51
